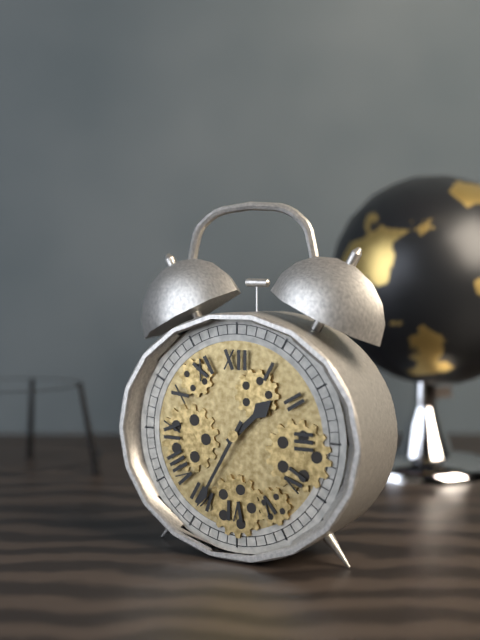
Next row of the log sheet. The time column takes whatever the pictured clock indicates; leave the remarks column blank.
1:35
